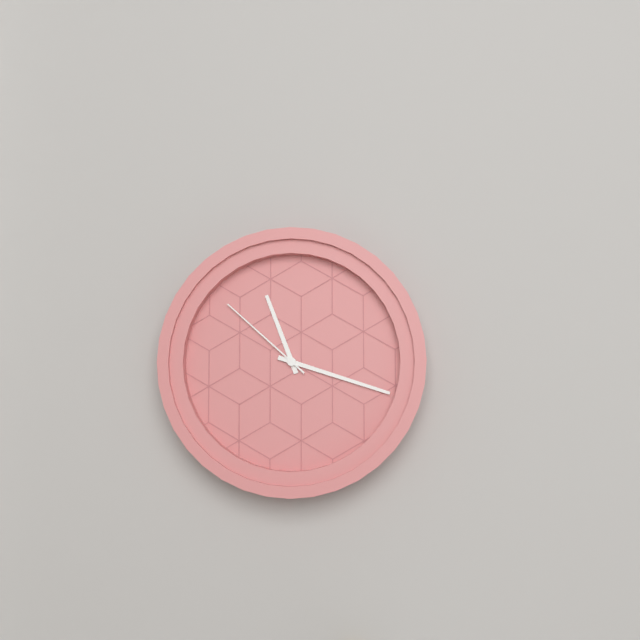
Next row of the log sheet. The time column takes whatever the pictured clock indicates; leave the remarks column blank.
11:18:52
